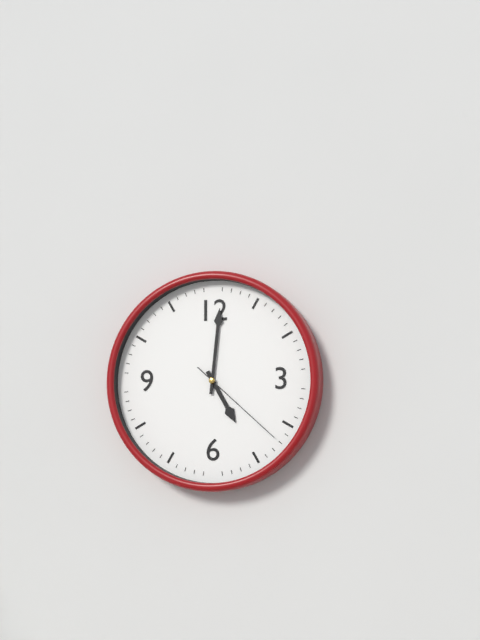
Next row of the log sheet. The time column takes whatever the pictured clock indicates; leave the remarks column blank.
5:01:22
